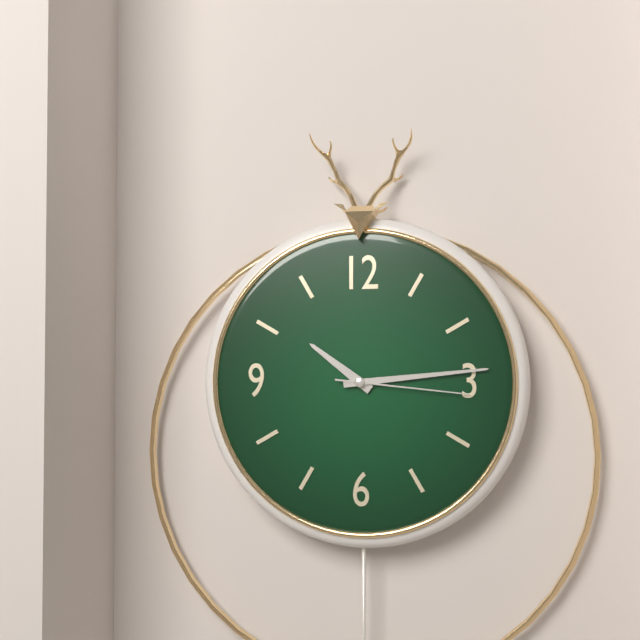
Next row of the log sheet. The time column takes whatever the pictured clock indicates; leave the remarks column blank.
10:14:16
